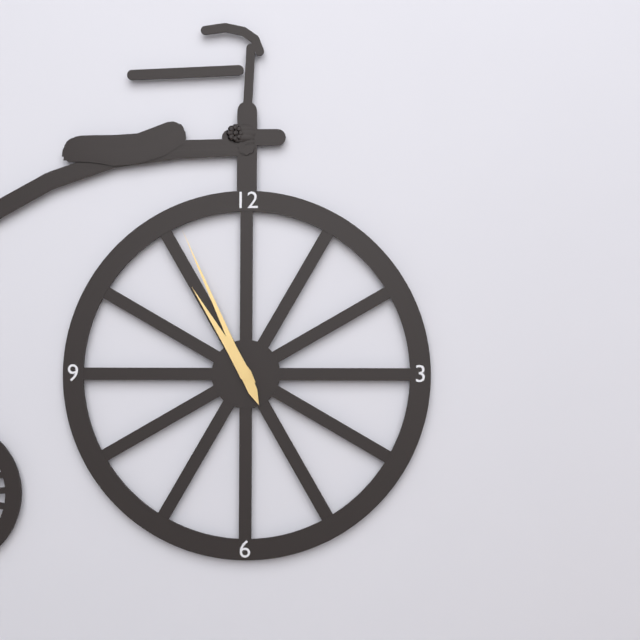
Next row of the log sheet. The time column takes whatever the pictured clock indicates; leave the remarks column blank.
10:56
